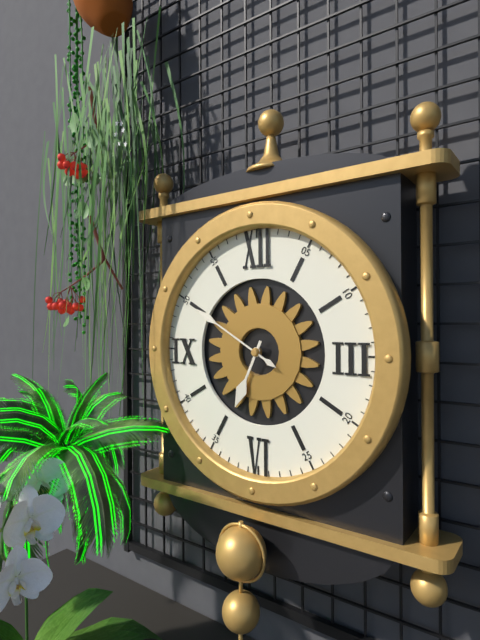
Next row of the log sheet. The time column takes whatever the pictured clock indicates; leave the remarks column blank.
6:50
